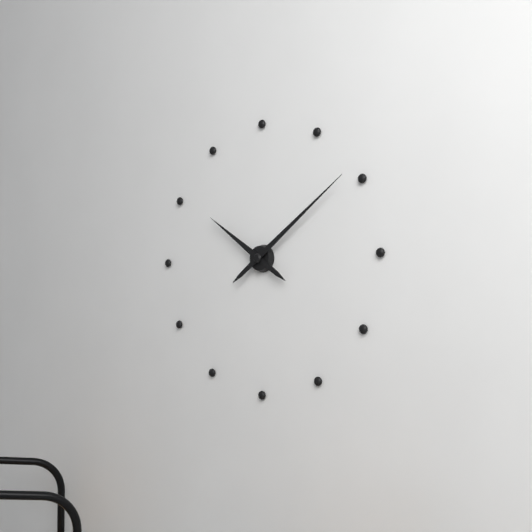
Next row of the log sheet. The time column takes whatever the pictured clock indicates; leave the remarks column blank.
10:09
